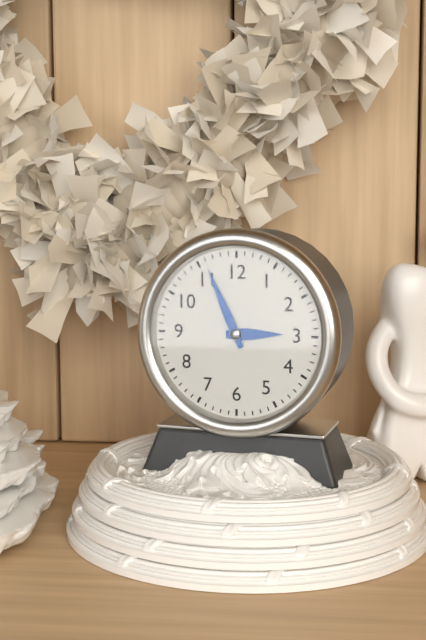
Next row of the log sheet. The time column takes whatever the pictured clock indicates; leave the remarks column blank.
2:56
